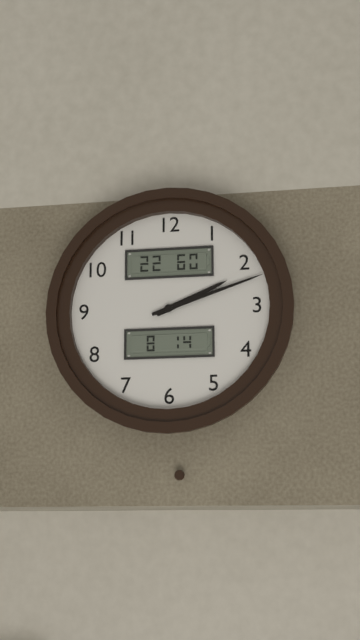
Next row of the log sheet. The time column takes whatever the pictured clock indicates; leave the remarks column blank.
2:12
